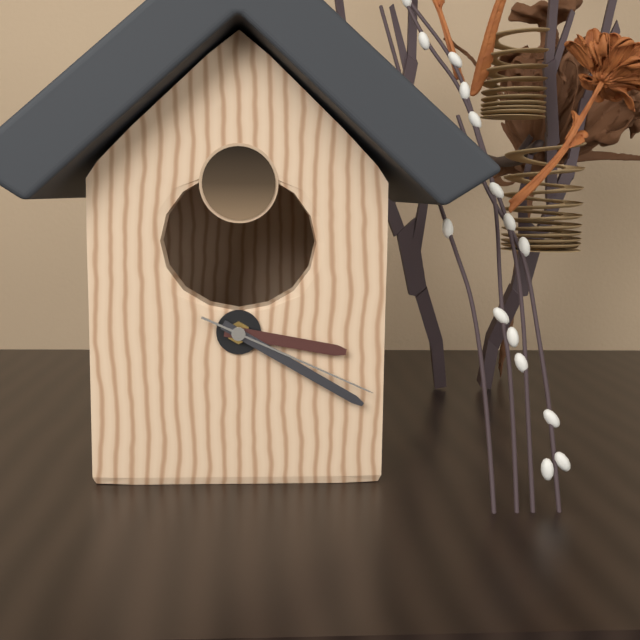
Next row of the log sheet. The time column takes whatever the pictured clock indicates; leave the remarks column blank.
3:20:19
